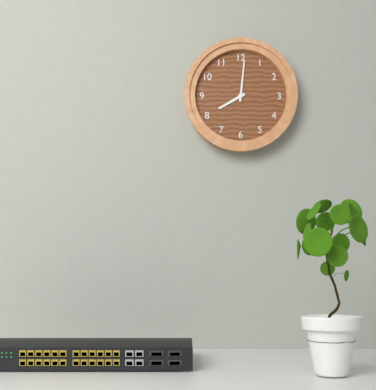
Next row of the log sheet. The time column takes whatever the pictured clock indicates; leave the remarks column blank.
8:01
